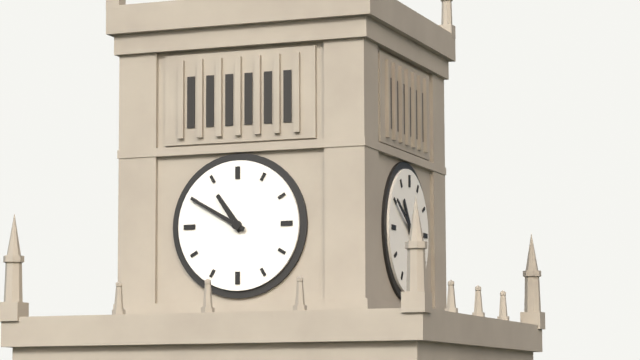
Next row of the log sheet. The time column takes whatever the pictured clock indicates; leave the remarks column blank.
10:50
